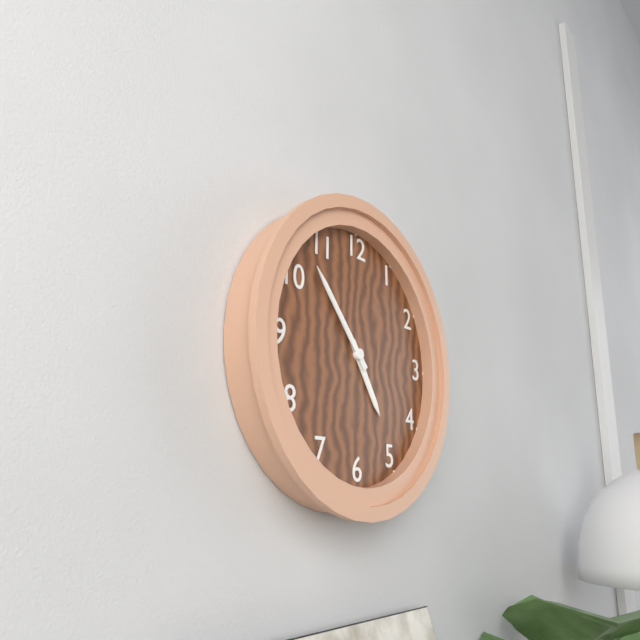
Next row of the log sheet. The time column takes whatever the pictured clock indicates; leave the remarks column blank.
4:53
